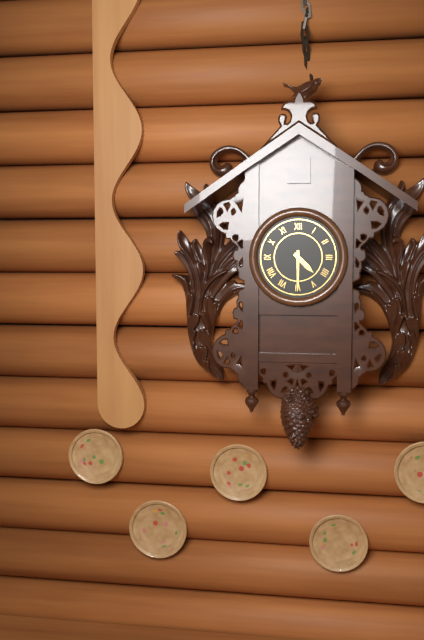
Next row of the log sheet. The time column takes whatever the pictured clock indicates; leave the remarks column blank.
4:30
